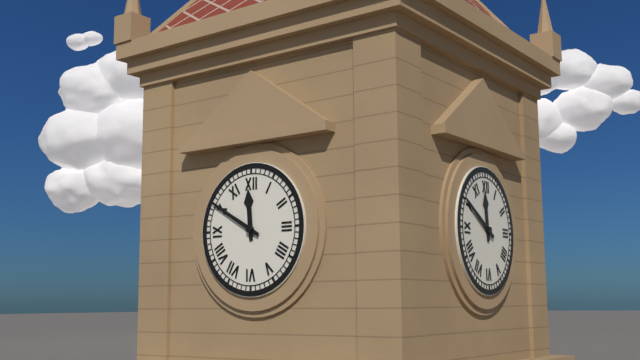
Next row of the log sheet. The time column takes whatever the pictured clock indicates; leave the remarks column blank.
11:50
